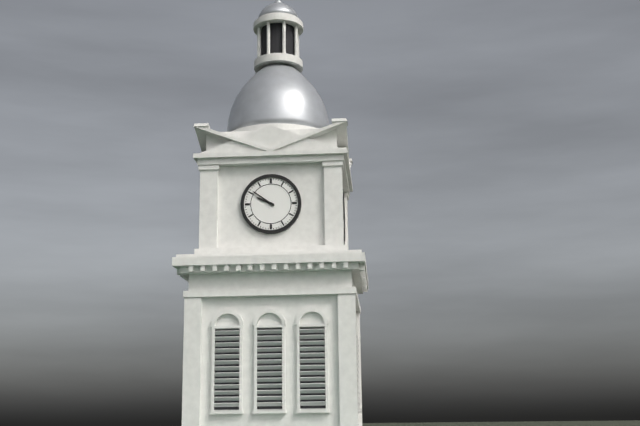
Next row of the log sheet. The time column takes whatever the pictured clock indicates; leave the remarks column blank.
9:51
